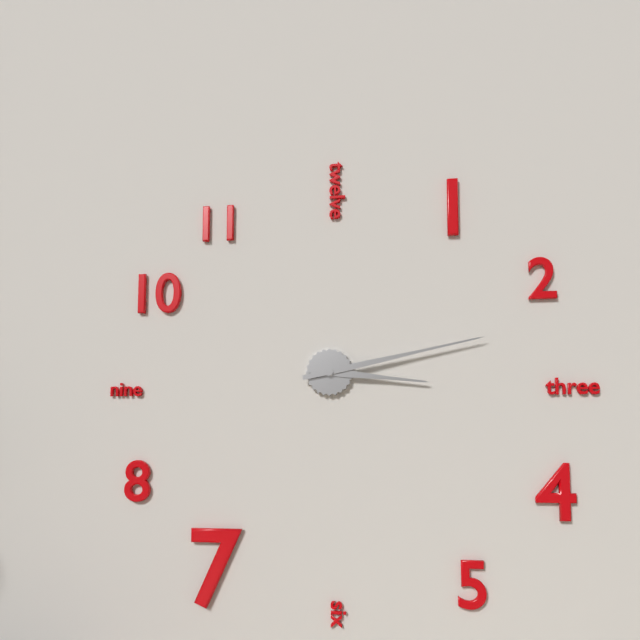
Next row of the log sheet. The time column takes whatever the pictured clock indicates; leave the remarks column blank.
3:13
